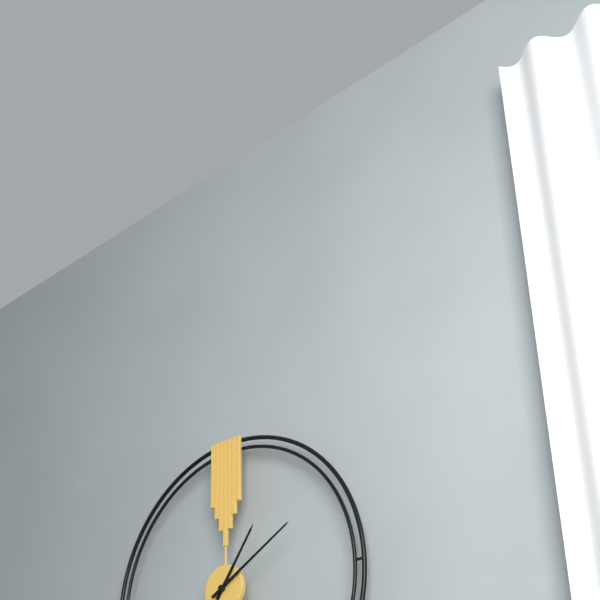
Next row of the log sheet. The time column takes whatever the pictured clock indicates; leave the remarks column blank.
1:10
